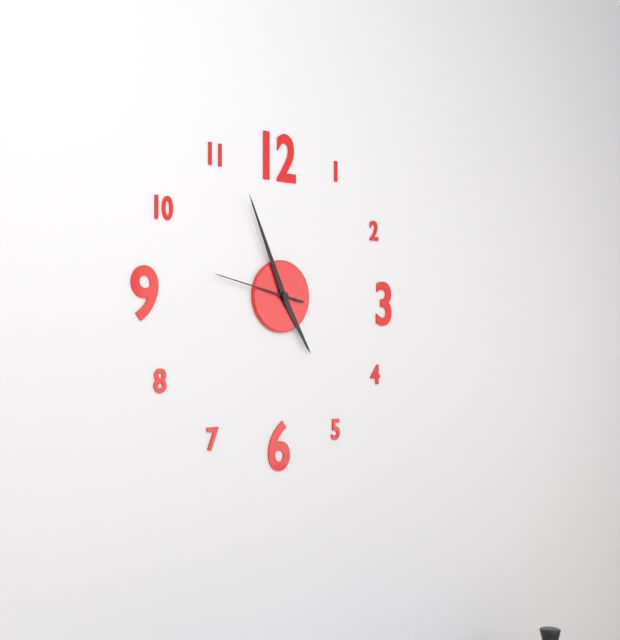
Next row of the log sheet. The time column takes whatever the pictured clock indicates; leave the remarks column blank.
4:56:47
